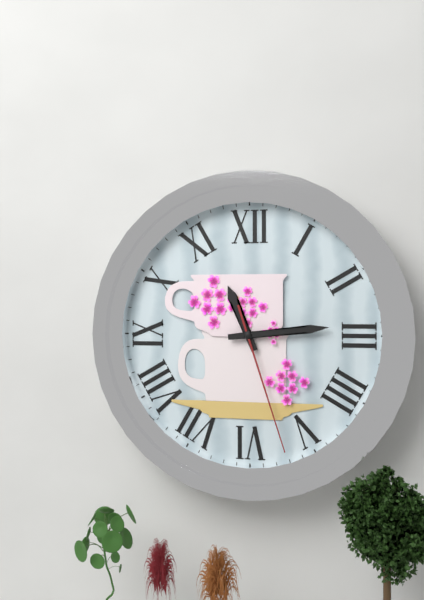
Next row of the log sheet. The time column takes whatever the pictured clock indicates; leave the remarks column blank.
11:14:27
